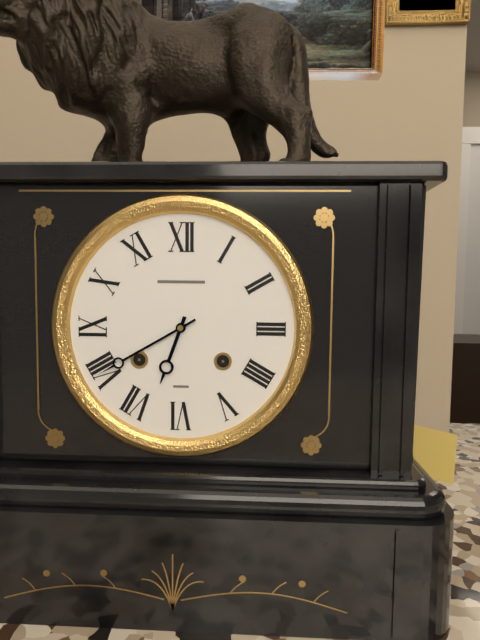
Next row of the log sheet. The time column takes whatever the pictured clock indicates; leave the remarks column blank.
6:40
